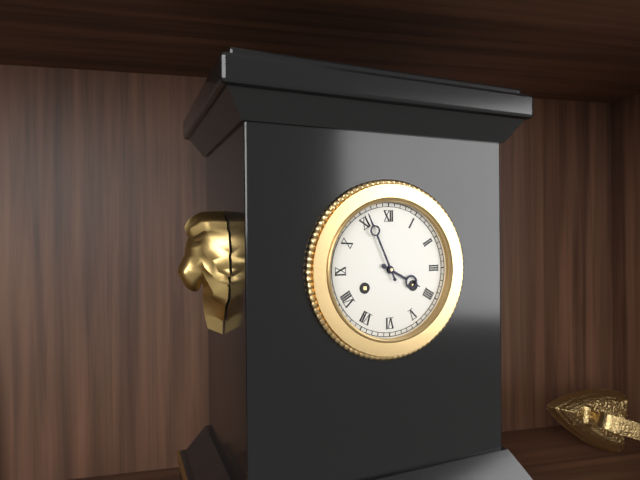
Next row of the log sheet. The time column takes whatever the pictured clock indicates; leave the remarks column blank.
3:56
